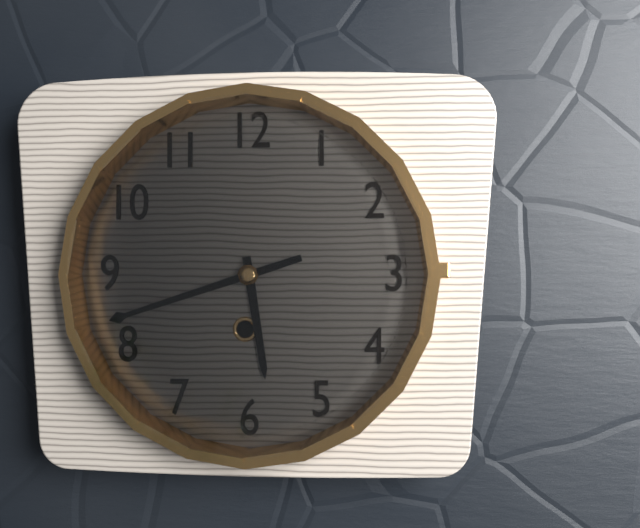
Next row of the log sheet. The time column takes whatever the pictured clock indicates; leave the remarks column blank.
5:42
